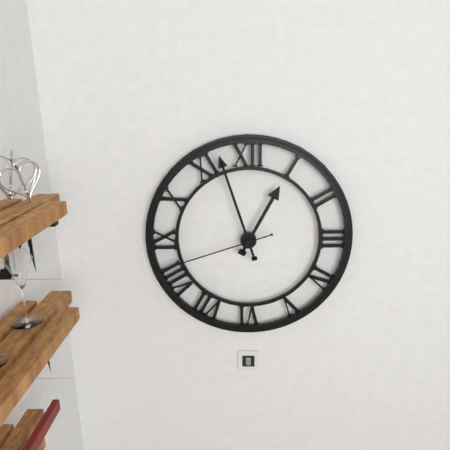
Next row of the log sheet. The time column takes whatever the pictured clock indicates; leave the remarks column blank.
12:57:42
